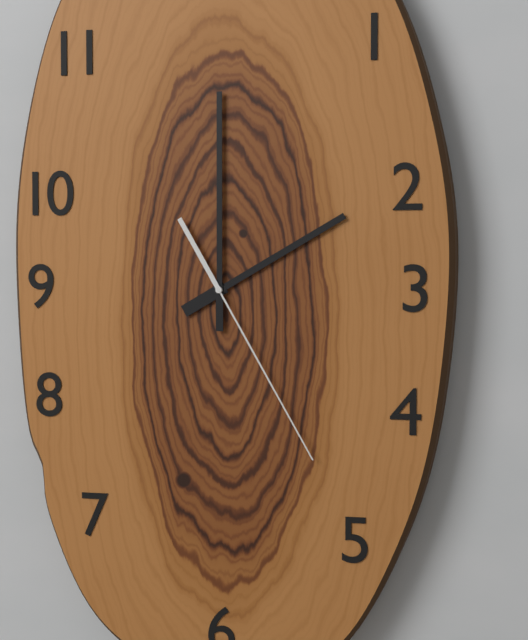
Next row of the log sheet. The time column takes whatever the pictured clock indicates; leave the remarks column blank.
2:00:25
